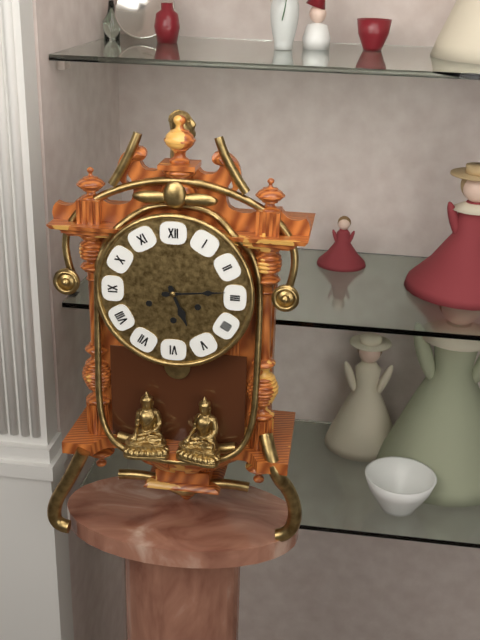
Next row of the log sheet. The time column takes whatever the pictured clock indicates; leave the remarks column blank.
5:14
